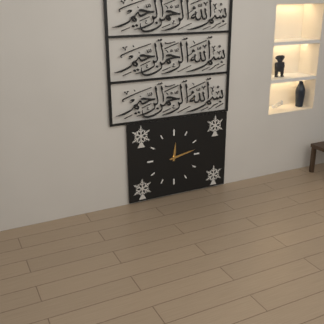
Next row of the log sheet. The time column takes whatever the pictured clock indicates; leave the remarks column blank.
12:13
